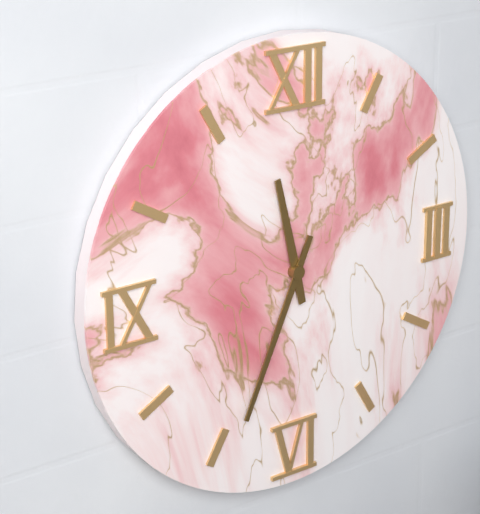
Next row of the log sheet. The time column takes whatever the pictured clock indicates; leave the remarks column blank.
11:34
